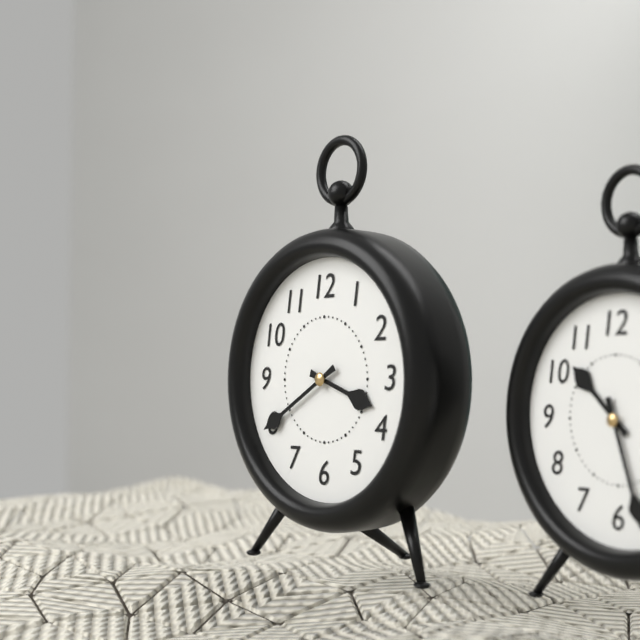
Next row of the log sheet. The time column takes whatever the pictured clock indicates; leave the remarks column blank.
3:40
